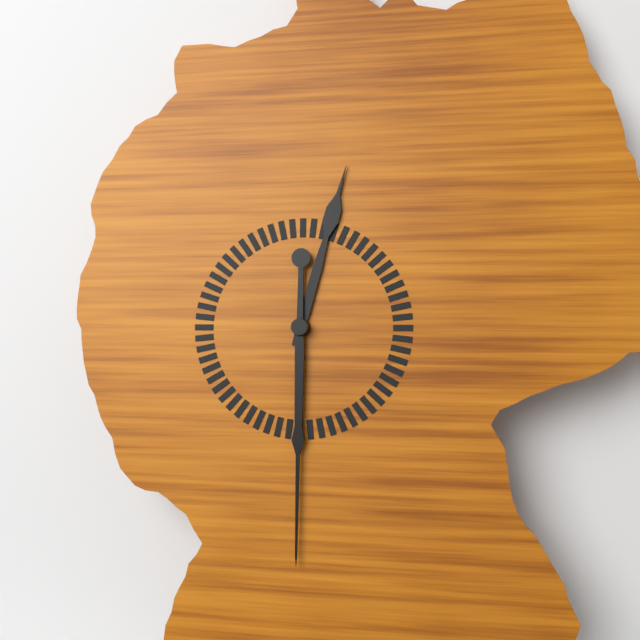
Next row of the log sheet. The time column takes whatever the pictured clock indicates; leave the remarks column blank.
12:30
